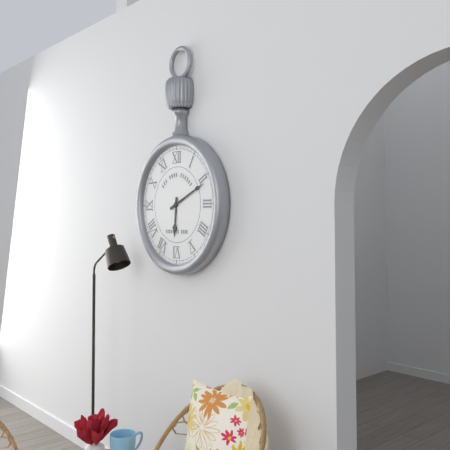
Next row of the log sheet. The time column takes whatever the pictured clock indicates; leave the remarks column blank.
6:11
